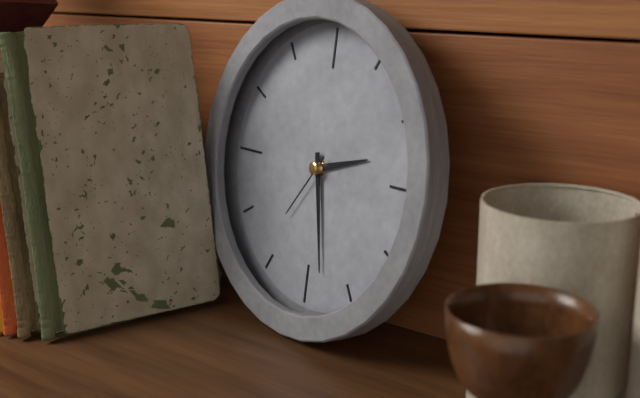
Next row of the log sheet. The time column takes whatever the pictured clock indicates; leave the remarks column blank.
2:28:36
